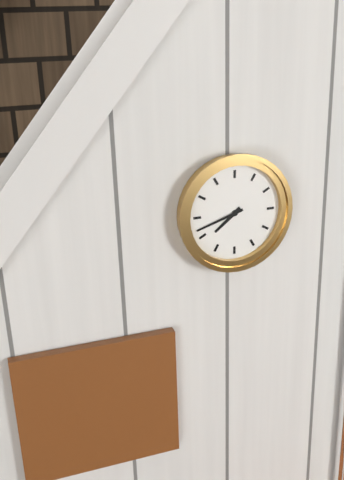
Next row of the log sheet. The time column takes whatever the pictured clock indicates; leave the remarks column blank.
7:42
